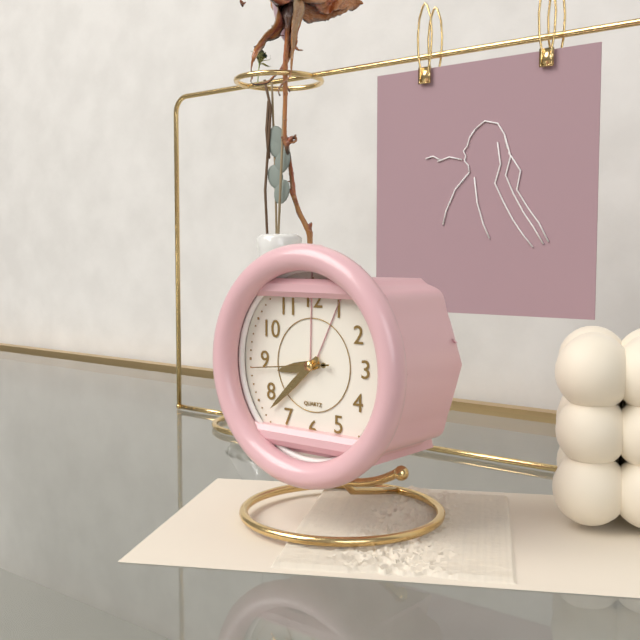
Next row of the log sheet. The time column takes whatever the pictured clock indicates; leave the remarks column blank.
8:38:44
